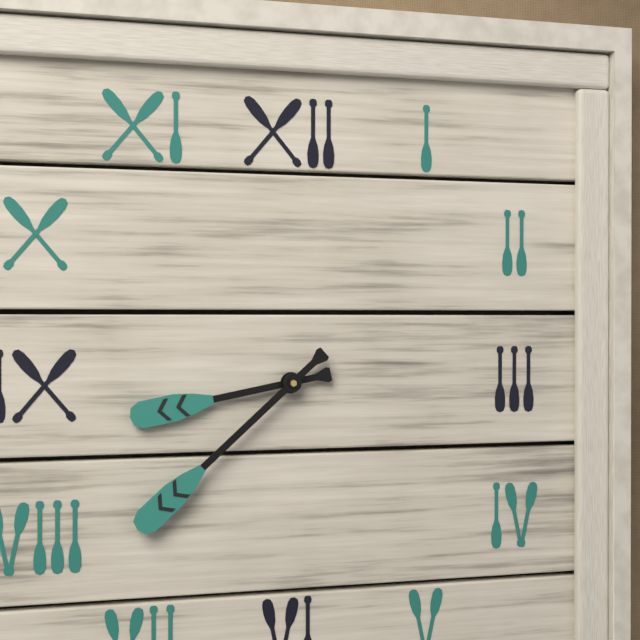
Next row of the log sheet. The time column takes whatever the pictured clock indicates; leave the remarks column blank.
8:38
